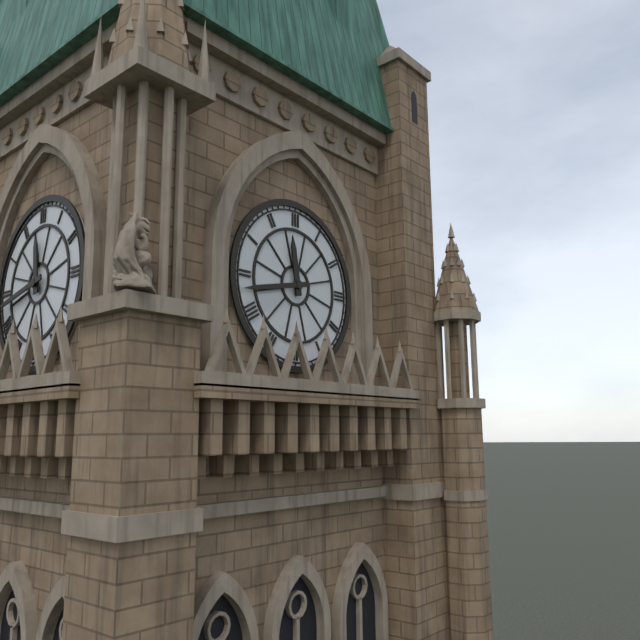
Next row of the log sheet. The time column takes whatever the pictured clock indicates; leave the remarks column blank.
11:43
